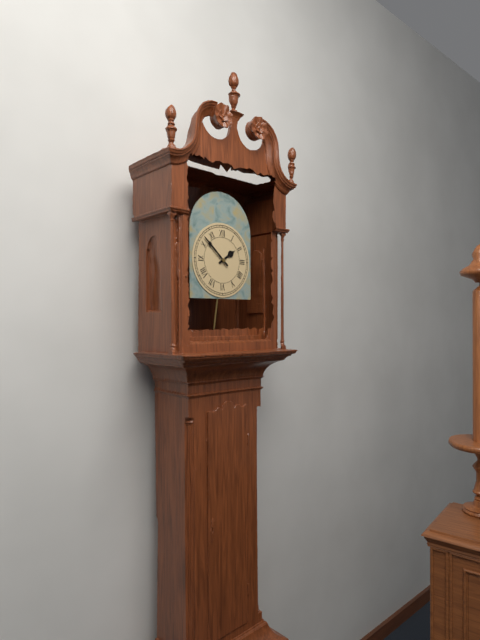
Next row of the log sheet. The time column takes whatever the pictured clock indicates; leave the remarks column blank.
1:52
